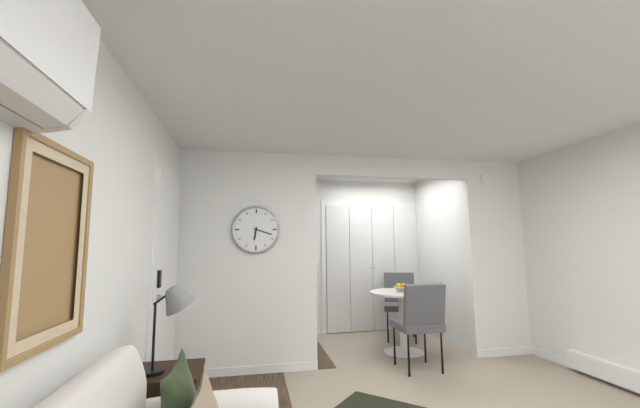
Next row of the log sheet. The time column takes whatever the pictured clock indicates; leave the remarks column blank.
6:18
